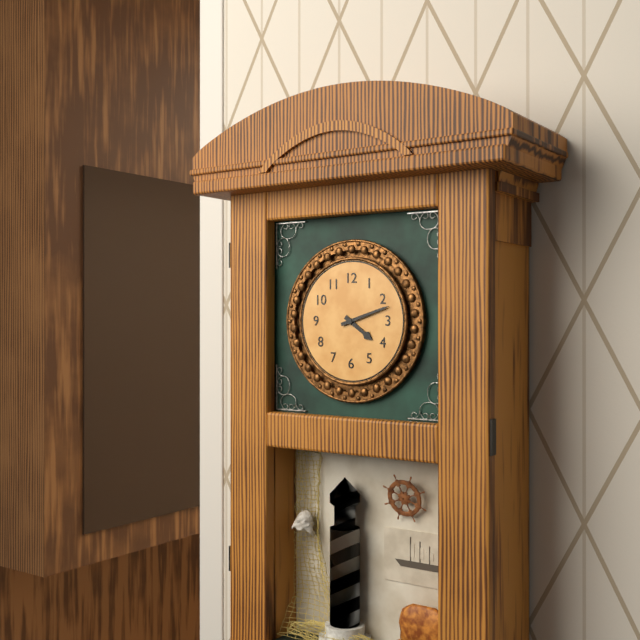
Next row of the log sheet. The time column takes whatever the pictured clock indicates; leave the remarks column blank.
4:12
